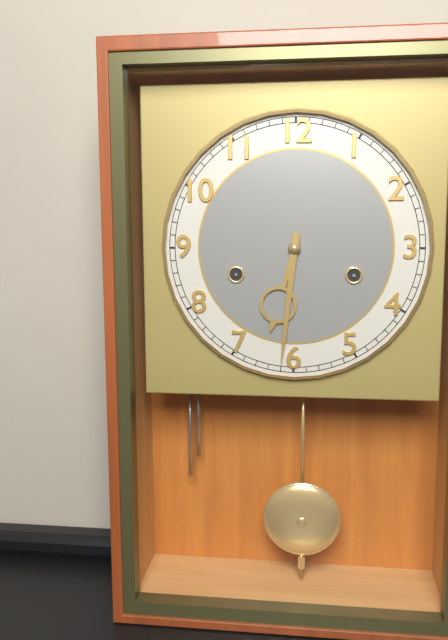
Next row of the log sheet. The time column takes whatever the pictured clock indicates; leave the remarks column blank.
6:31
